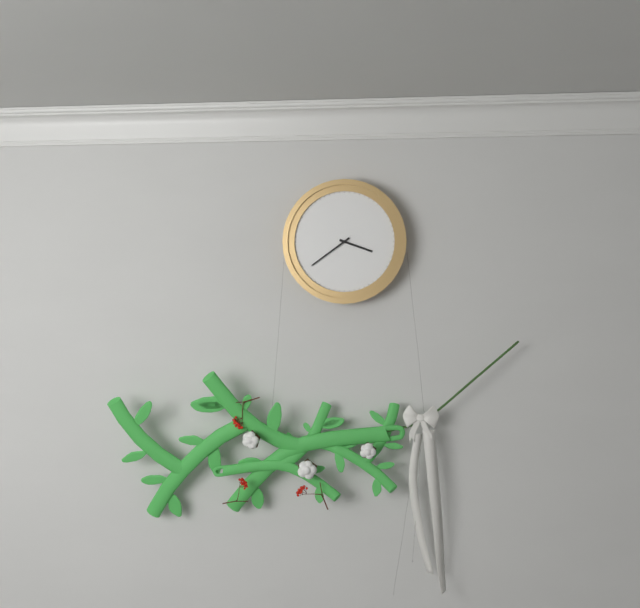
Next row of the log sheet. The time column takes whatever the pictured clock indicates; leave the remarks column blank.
3:39
